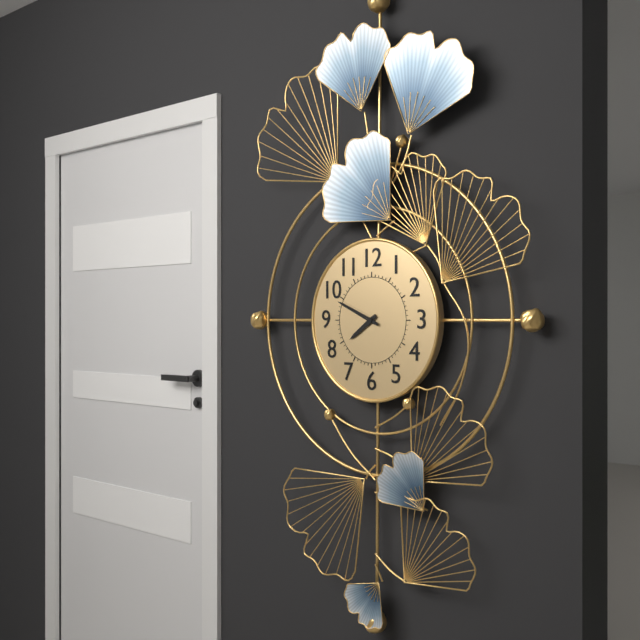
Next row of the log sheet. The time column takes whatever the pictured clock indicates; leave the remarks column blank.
7:49
